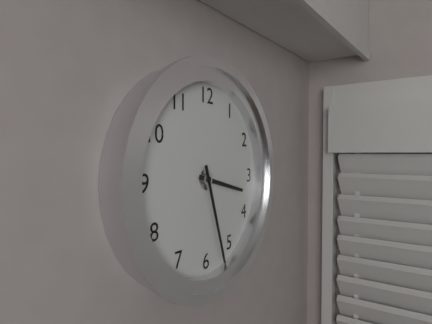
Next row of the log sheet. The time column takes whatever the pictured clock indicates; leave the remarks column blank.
3:27
